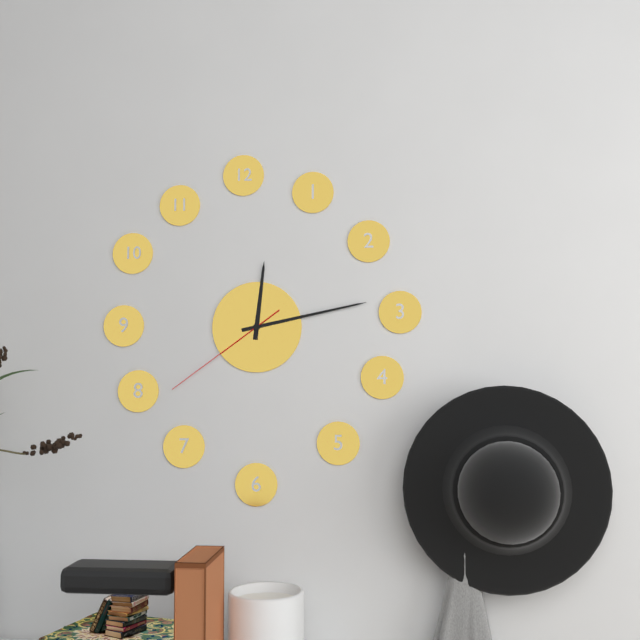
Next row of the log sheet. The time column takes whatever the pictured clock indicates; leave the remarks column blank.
12:13:39
